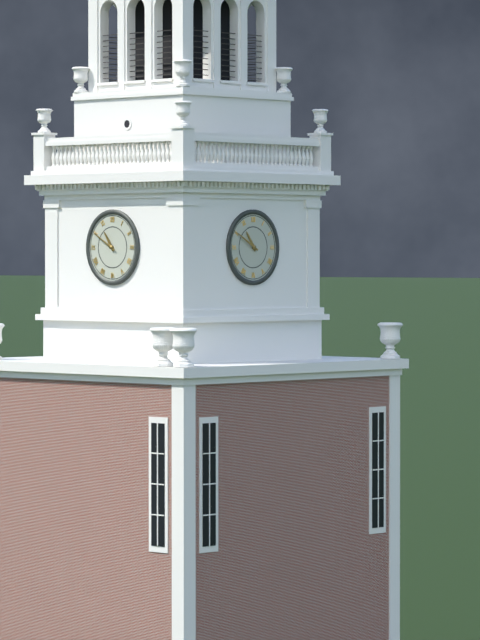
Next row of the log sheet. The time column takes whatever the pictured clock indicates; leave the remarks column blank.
10:50
